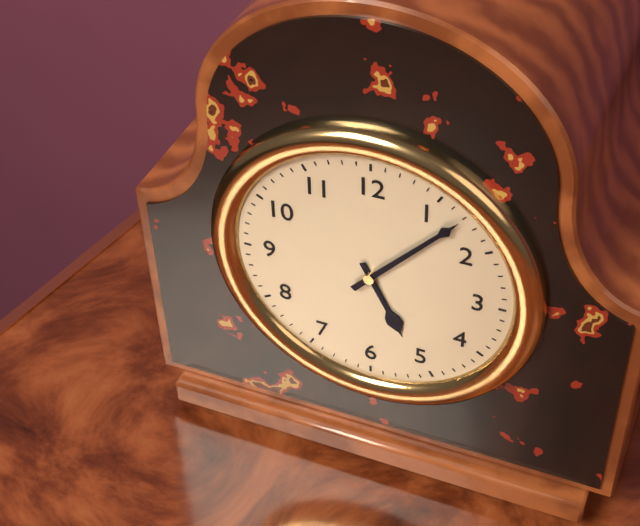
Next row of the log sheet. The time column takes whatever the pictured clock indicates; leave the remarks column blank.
5:07
